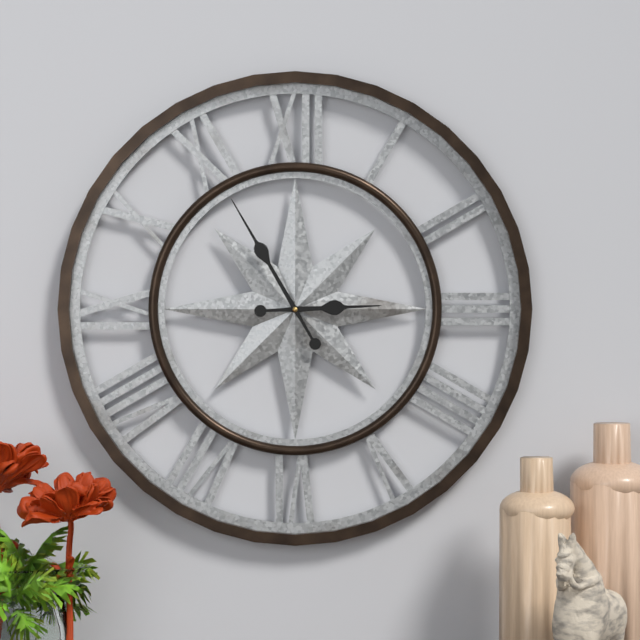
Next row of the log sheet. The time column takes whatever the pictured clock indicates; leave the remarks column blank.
2:55
